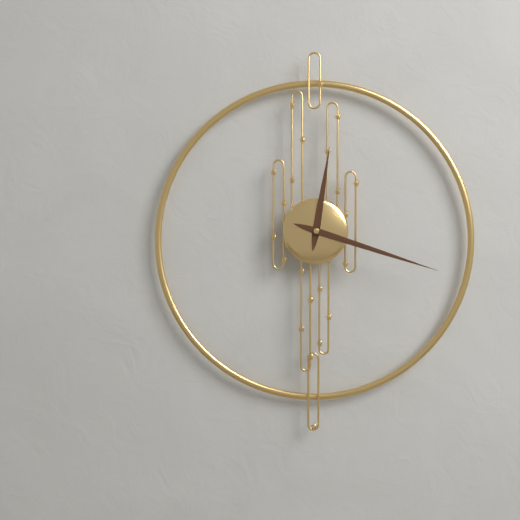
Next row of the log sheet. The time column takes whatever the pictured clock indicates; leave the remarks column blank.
12:18
